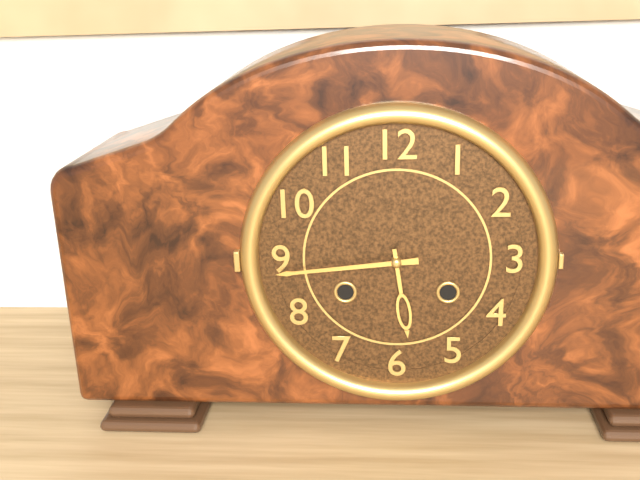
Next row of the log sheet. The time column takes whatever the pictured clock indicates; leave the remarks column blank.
5:44
